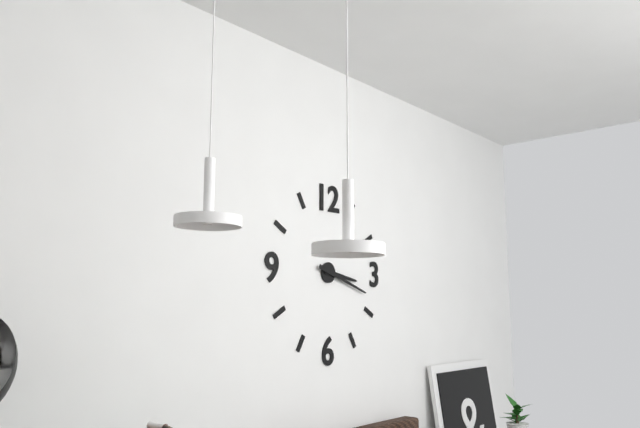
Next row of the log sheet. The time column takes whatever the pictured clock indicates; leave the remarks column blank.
3:18
